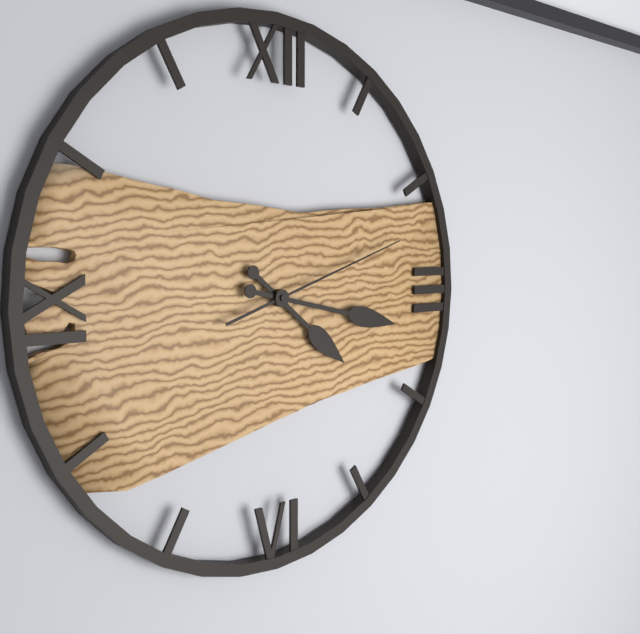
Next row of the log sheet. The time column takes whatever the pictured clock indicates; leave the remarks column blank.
4:17:12
